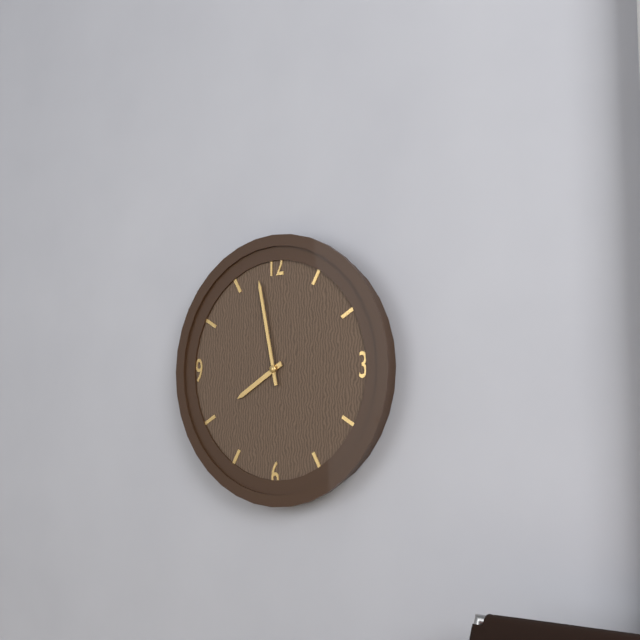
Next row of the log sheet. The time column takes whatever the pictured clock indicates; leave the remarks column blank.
7:58
